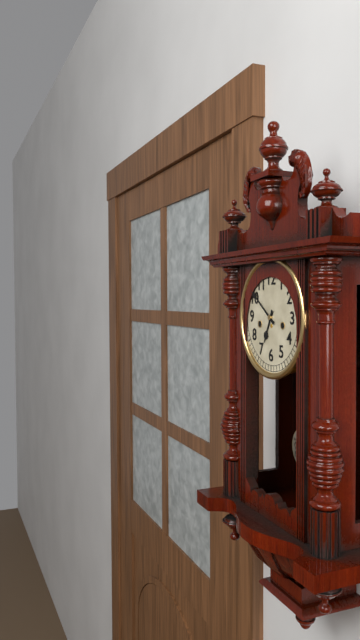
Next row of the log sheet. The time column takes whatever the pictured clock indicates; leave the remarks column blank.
6:51
